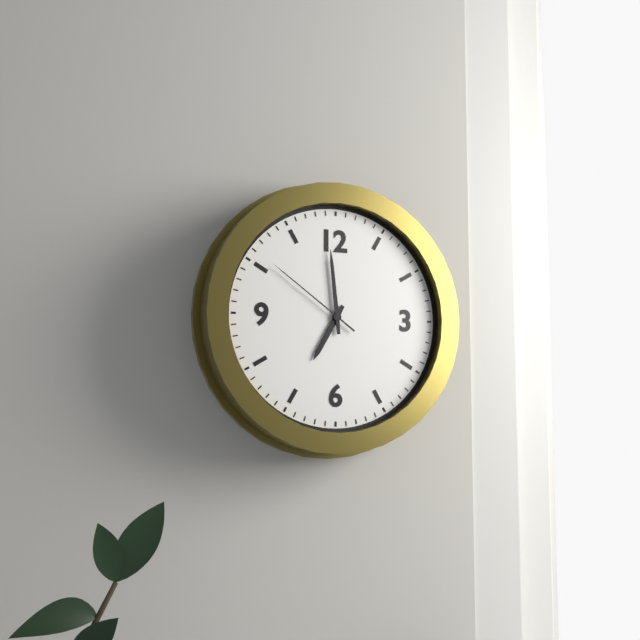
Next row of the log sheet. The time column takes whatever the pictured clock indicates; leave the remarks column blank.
6:59:51
